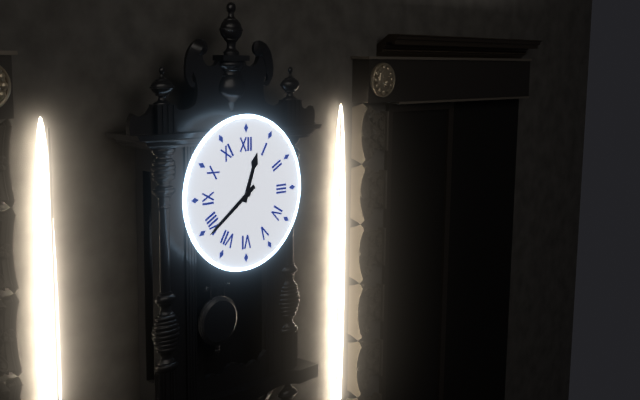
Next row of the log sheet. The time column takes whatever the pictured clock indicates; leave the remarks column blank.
12:39
